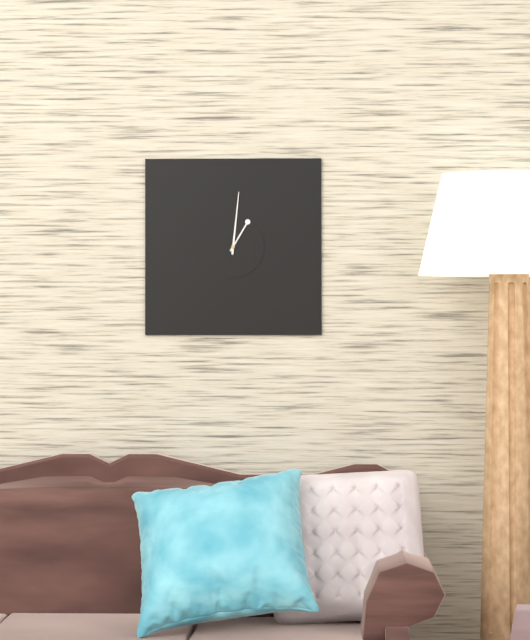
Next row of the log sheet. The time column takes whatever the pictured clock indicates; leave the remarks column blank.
1:01
